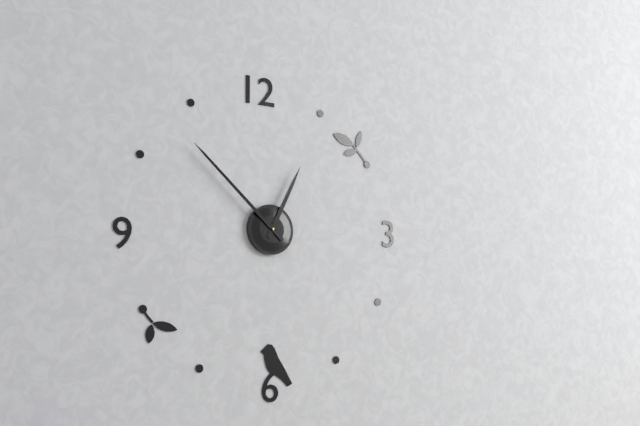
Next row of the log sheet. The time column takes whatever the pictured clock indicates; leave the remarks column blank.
12:52
